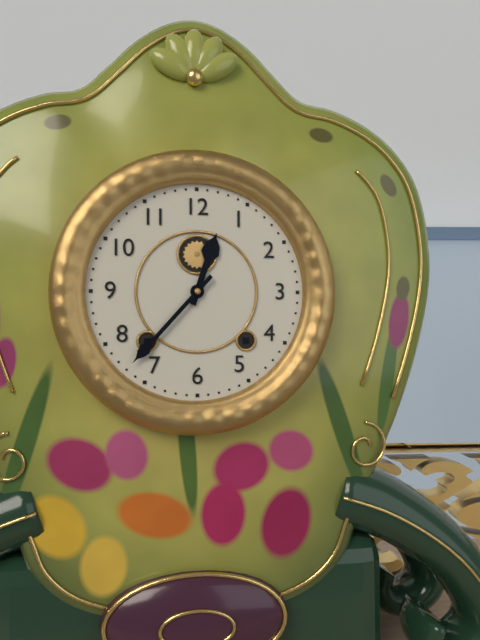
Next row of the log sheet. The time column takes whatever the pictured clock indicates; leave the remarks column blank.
12:37
